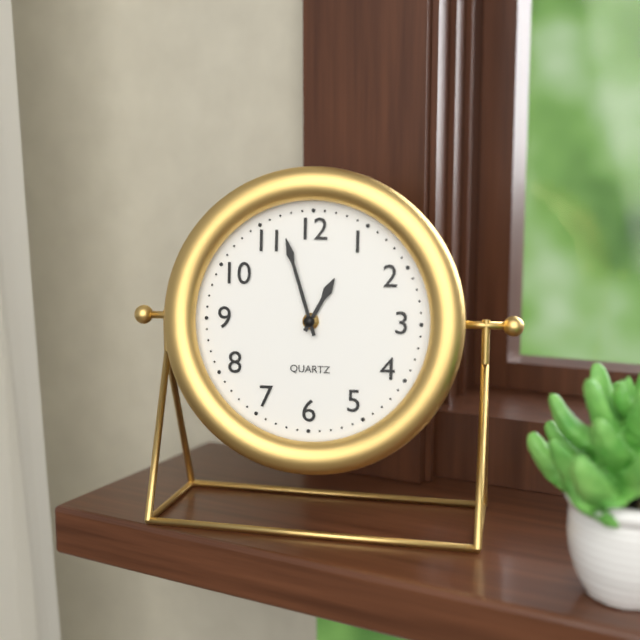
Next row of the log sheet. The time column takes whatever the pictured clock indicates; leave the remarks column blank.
12:57
